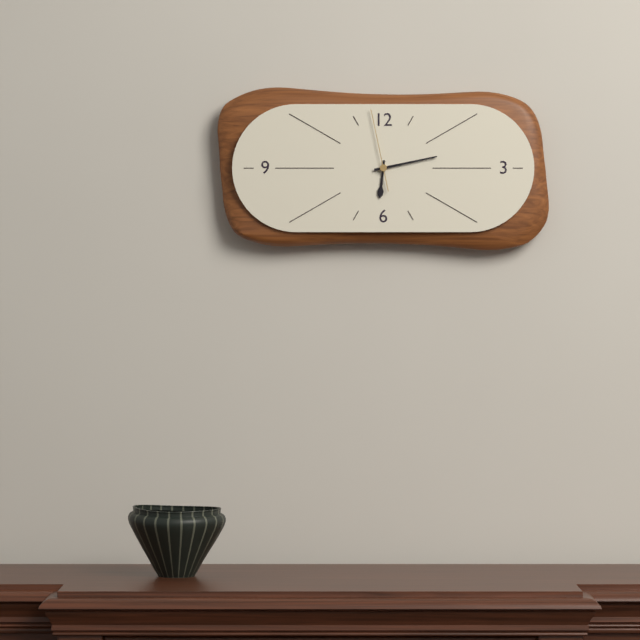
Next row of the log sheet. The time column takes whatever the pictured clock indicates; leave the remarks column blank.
6:13:58
